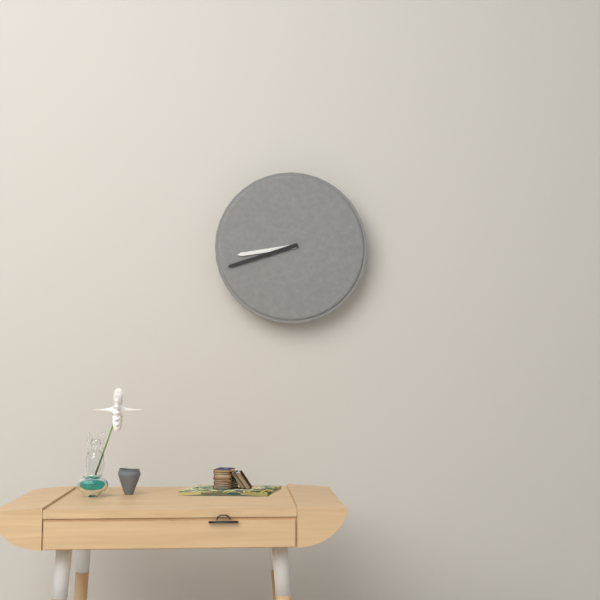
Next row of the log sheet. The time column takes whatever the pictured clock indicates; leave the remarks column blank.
8:42
